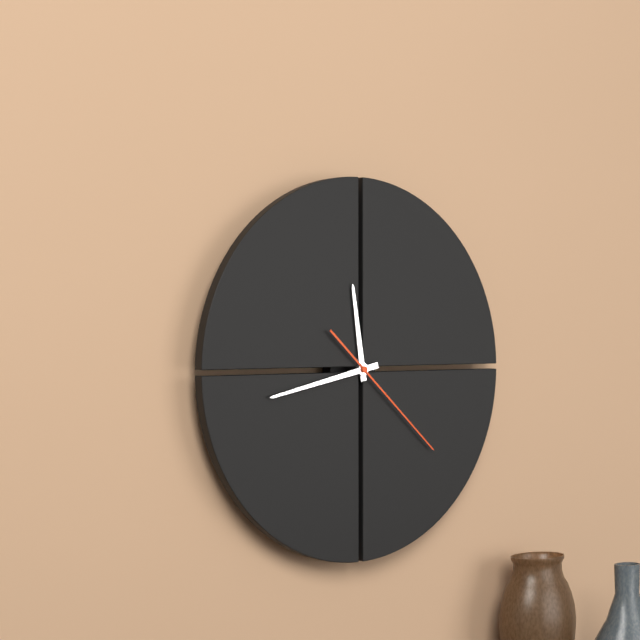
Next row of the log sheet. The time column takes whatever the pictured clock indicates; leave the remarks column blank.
11:43:22
